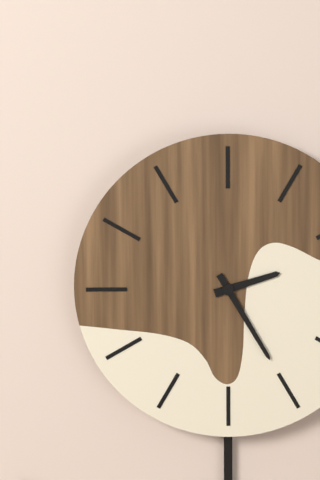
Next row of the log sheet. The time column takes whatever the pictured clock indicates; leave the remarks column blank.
2:25
